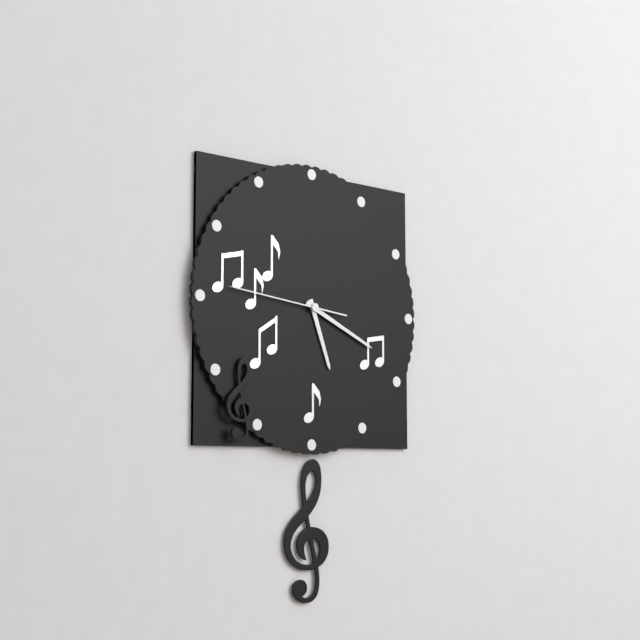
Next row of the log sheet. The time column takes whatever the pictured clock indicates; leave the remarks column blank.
5:19:46
